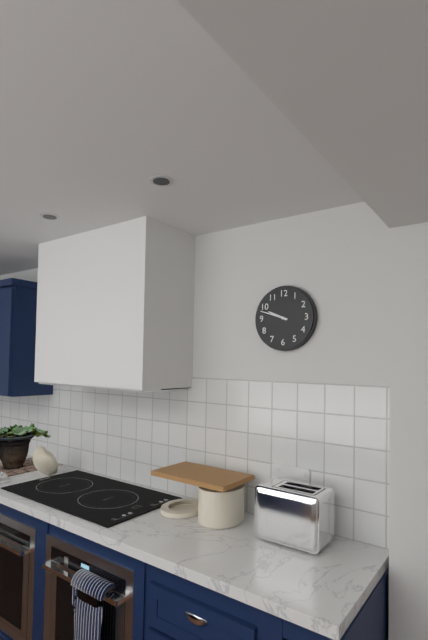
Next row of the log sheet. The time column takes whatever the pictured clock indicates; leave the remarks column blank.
9:48
